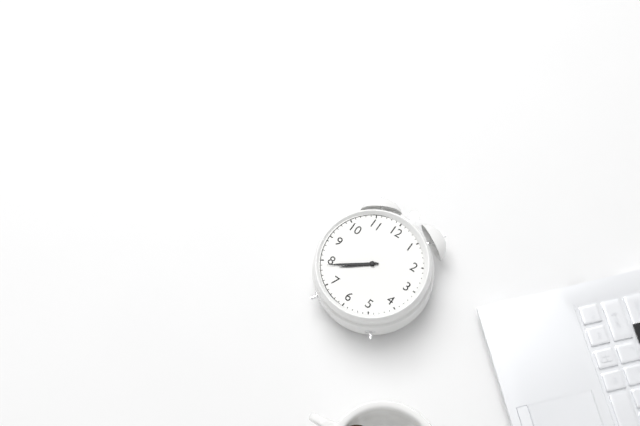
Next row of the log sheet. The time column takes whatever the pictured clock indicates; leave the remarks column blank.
7:39
